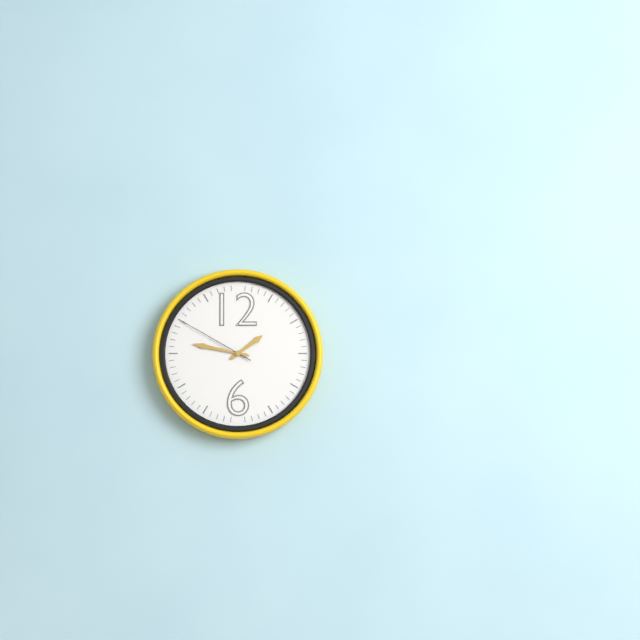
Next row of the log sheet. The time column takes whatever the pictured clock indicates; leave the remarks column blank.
1:47:50
